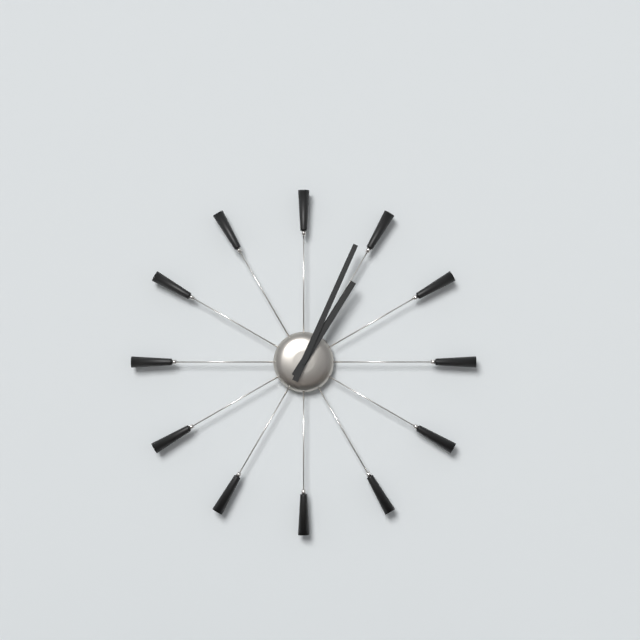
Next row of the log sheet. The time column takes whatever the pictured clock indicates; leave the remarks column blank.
1:04
